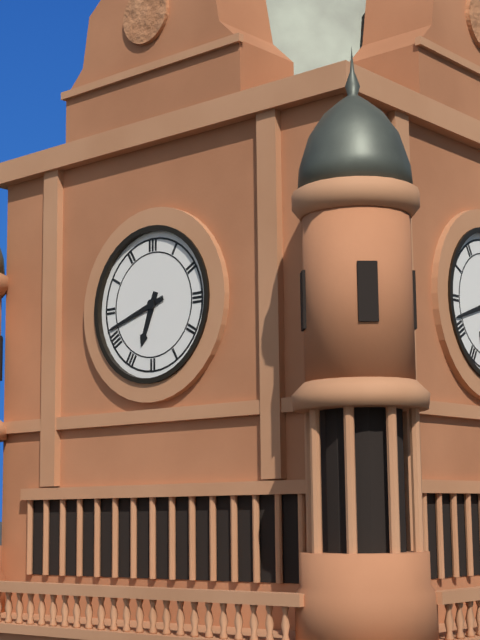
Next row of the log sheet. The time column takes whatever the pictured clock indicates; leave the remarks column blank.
6:42
